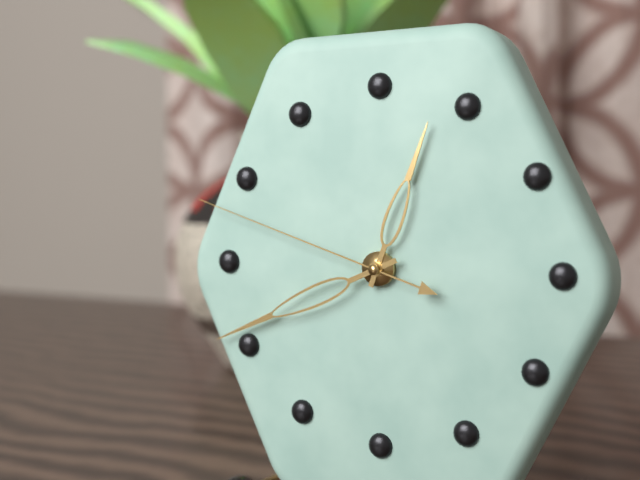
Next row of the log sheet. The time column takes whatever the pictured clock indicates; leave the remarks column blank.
12:41:48
